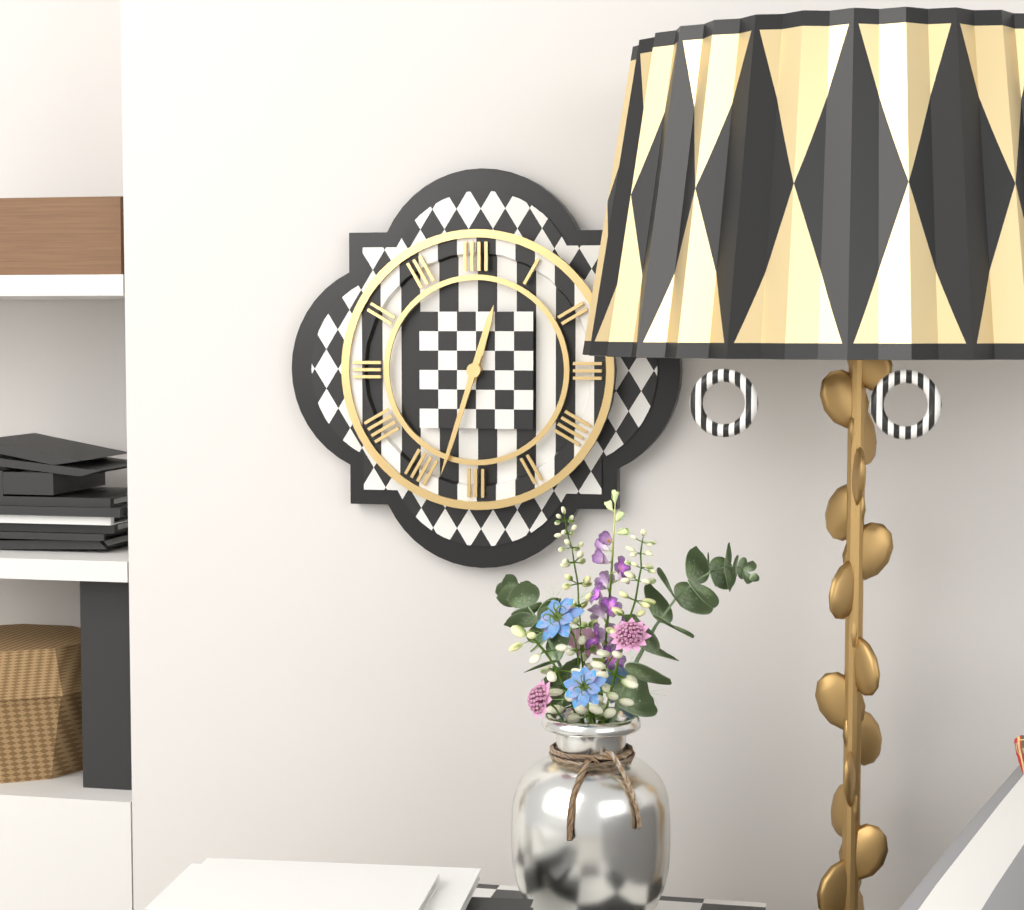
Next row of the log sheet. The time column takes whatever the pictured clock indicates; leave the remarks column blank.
12:33
